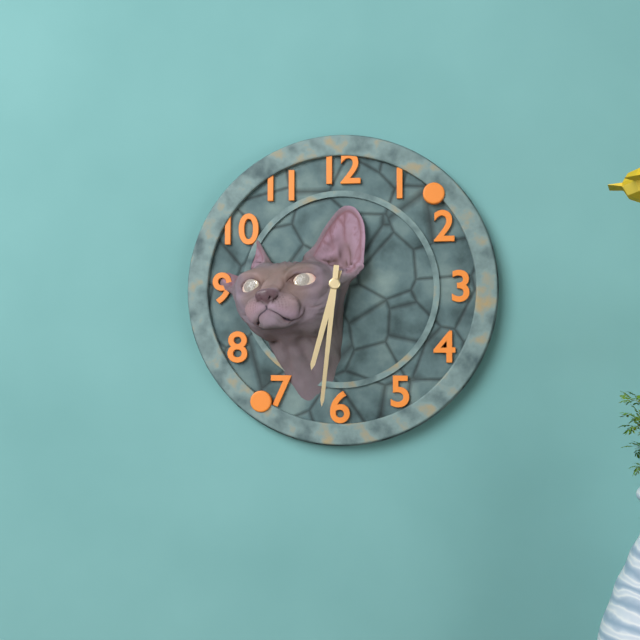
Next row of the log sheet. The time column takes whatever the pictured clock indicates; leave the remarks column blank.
6:31
